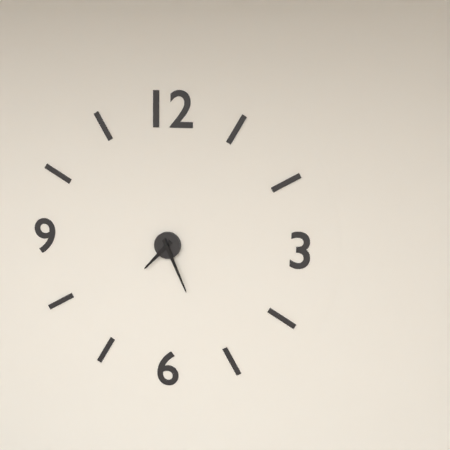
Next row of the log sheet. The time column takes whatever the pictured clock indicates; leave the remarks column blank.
7:26
